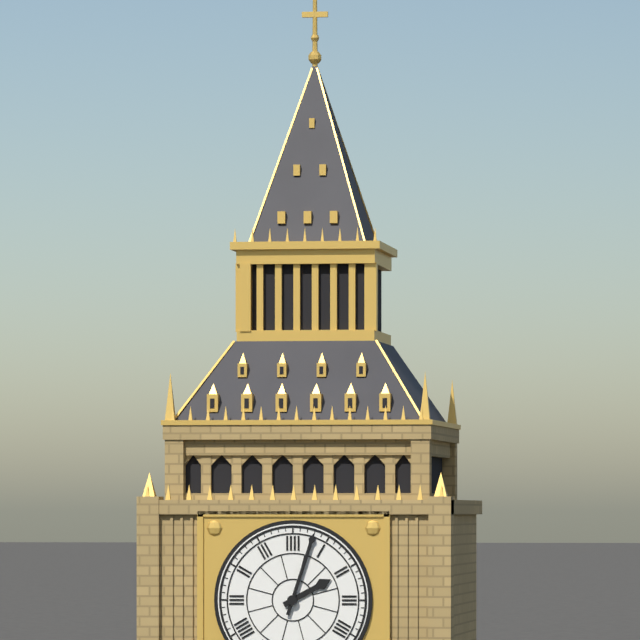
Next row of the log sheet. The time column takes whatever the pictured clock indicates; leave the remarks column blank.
2:03
